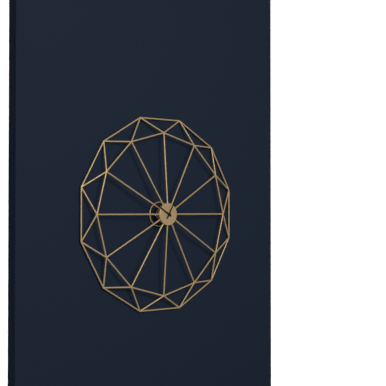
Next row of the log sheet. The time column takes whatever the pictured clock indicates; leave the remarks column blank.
10:05
